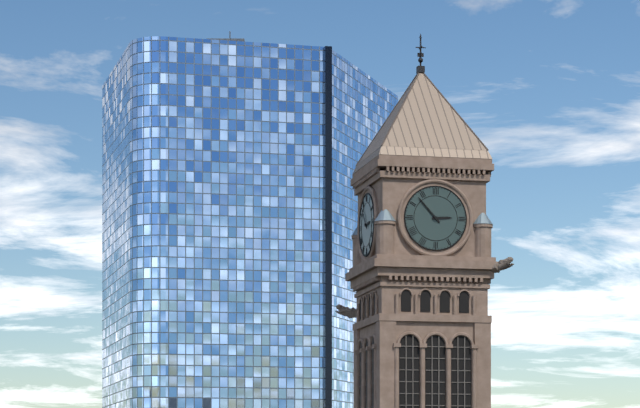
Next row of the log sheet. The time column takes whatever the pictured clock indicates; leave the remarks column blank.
2:53
